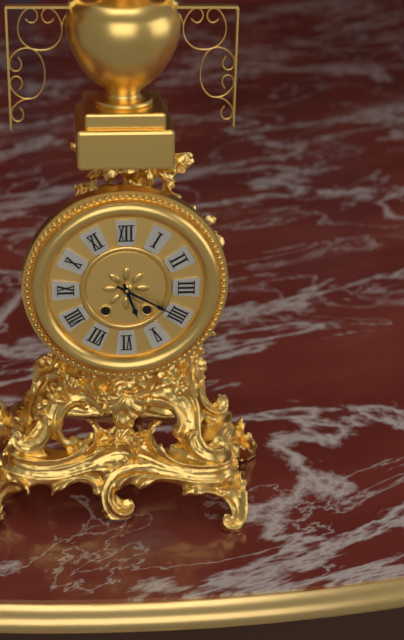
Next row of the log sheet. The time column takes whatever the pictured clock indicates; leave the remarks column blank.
5:20
